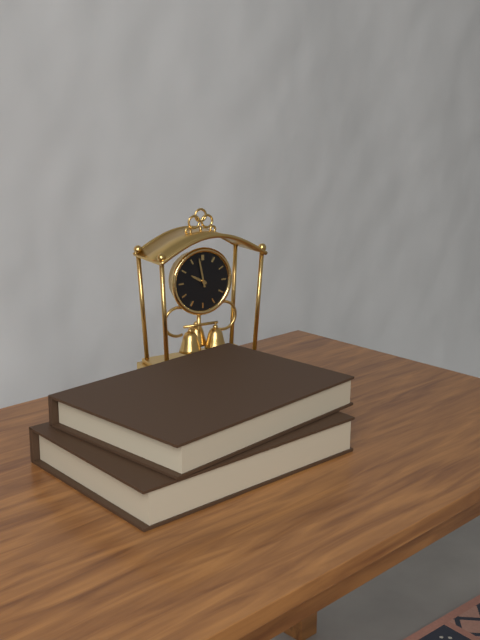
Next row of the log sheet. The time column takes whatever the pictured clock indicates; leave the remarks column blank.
9:58
